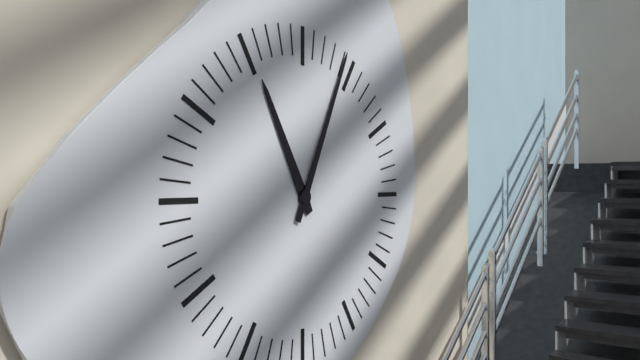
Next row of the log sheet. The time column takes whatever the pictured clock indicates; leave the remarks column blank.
11:04
